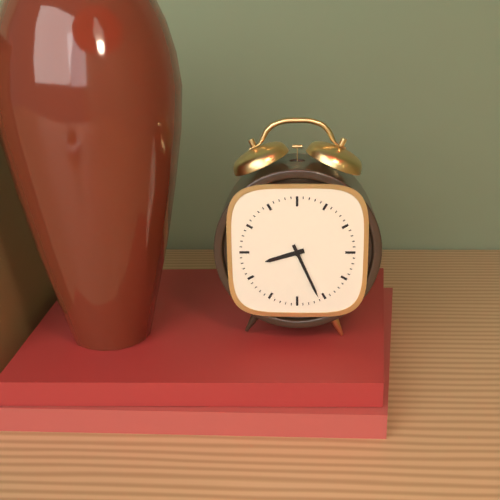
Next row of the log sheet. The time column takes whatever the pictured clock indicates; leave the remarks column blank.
8:26
